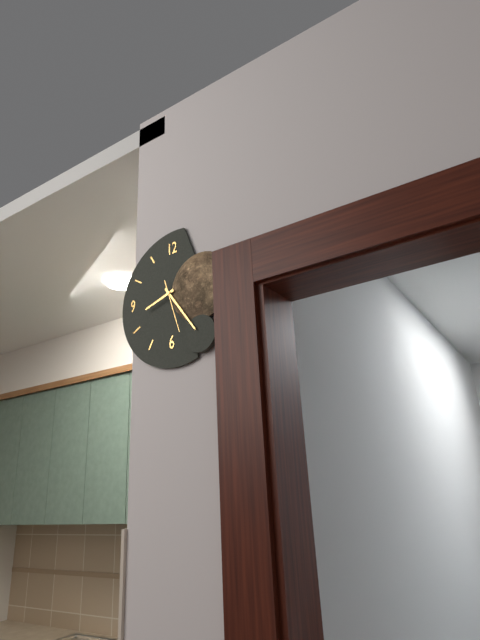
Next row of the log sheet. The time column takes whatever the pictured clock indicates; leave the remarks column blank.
8:24
